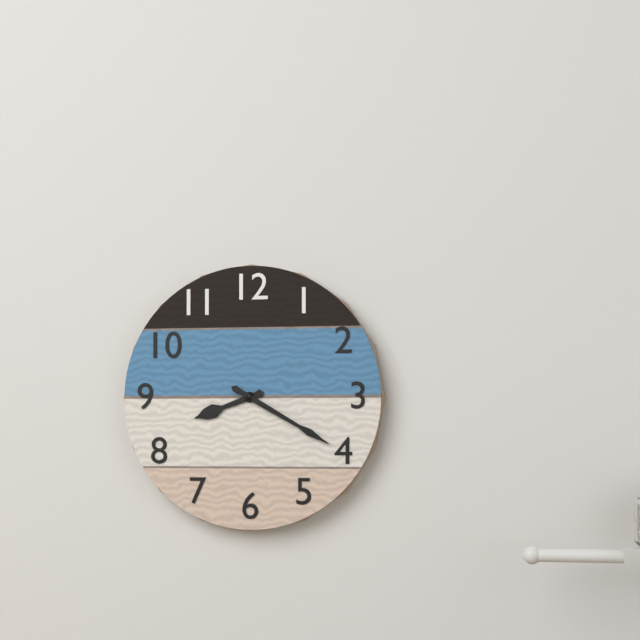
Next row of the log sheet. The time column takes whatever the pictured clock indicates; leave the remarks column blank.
8:20
